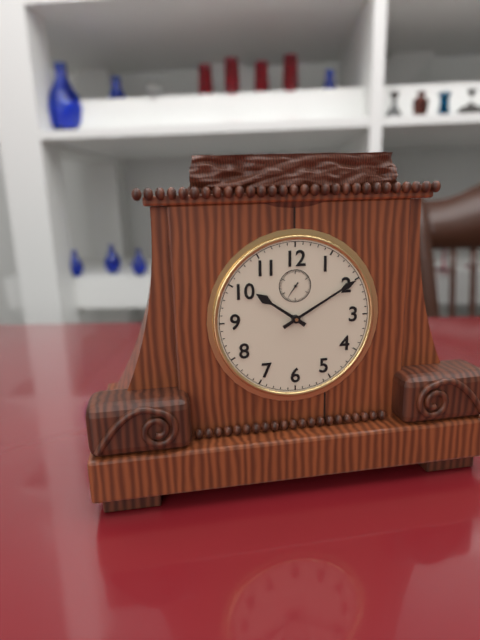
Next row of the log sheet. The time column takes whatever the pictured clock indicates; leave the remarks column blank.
10:10
